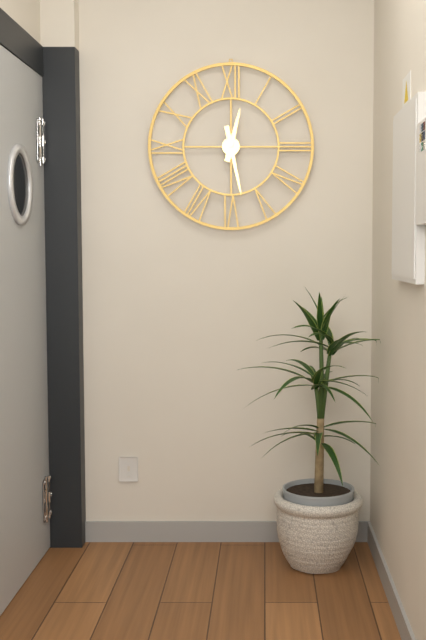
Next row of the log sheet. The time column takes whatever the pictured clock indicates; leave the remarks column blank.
12:28
